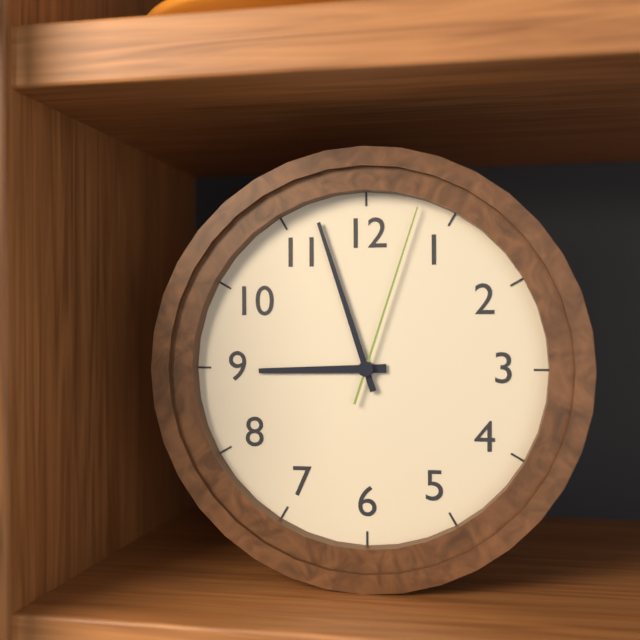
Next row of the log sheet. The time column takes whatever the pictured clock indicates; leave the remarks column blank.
8:57:03
